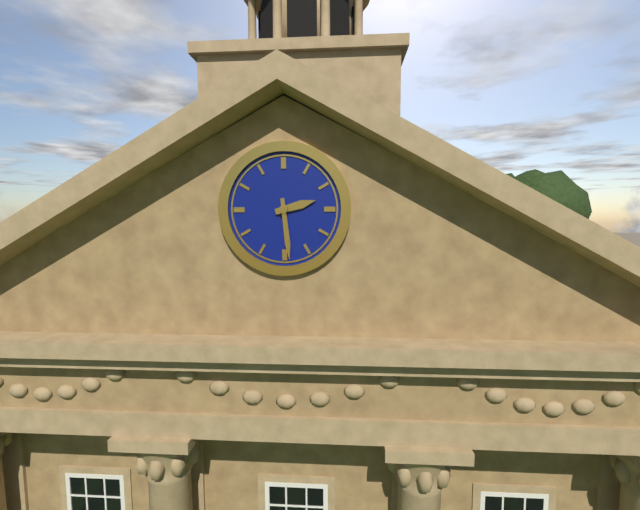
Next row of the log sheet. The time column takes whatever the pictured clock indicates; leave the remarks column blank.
2:29
